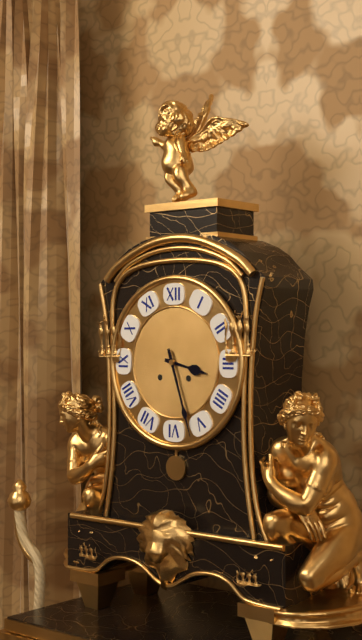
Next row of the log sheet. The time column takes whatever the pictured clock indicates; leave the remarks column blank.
3:27
